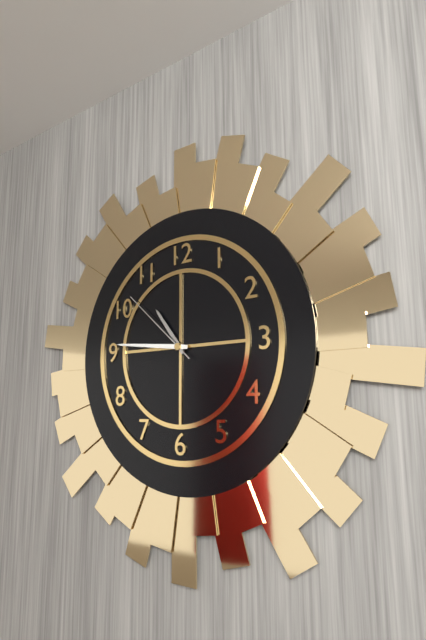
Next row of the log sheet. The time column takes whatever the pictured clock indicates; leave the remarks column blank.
10:46:52
